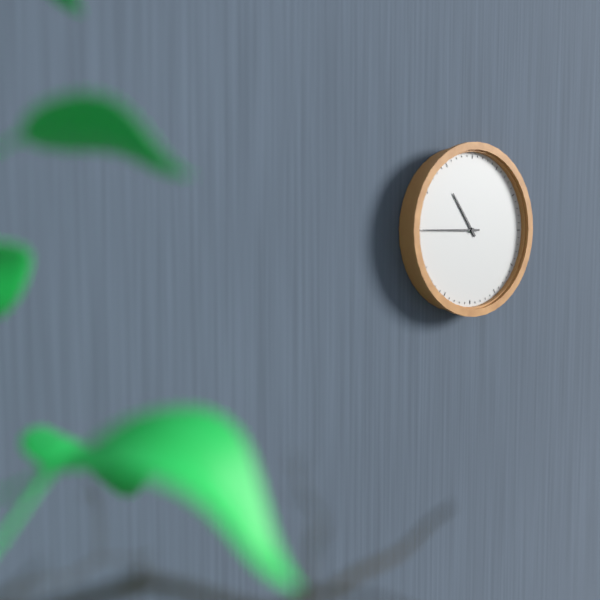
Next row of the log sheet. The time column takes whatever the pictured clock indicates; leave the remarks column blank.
10:45
